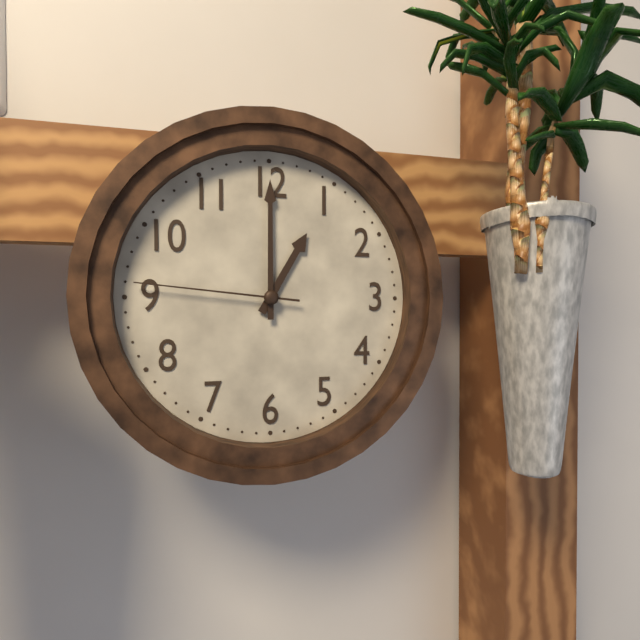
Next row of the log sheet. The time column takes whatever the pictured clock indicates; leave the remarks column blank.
1:00:46
